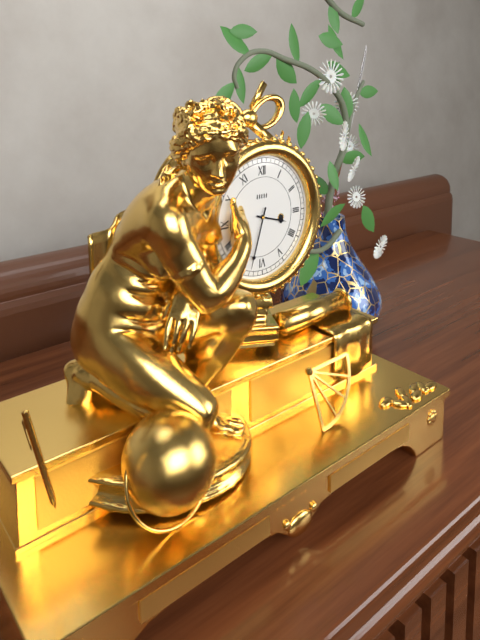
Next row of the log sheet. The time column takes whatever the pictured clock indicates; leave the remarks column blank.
3:33
